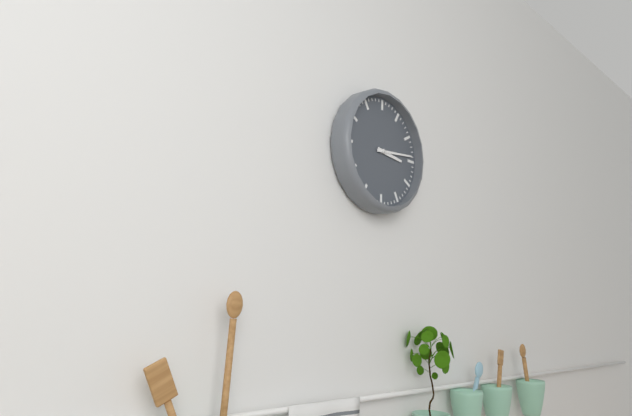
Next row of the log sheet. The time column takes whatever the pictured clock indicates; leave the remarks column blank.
3:14
